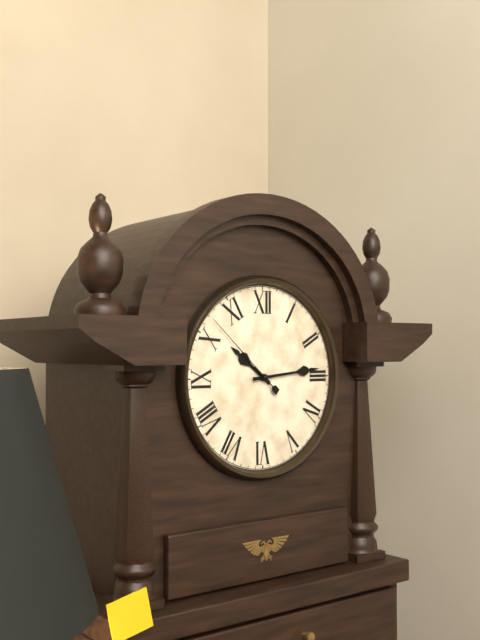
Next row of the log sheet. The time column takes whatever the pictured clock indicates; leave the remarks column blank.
10:14:52
